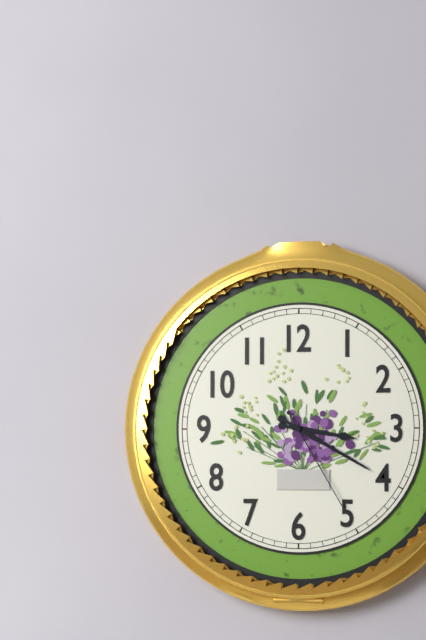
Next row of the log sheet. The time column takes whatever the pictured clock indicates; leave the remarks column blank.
3:20:25
